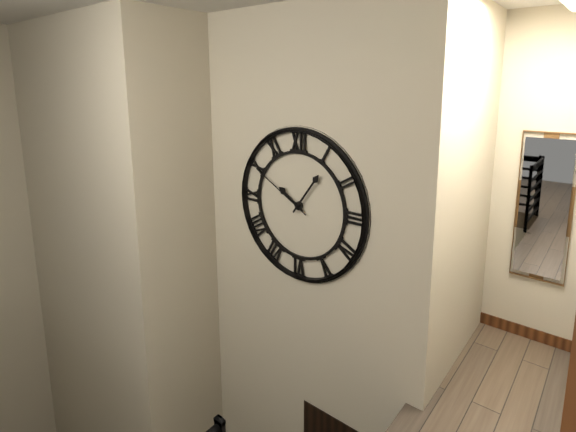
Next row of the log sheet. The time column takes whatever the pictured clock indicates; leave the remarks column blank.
10:06:50
